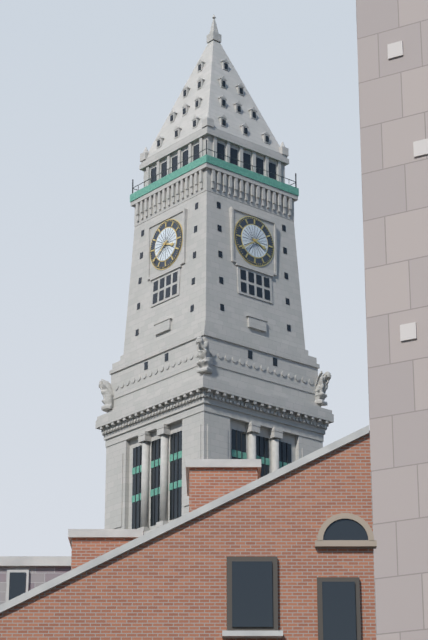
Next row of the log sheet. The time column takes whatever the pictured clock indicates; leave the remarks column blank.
3:39
